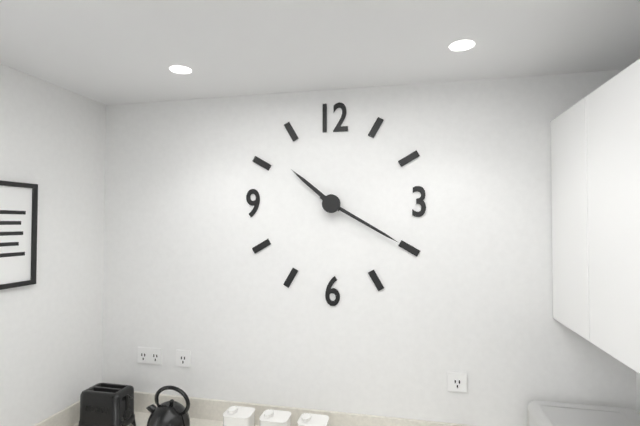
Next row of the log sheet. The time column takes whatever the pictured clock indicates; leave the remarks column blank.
10:20
